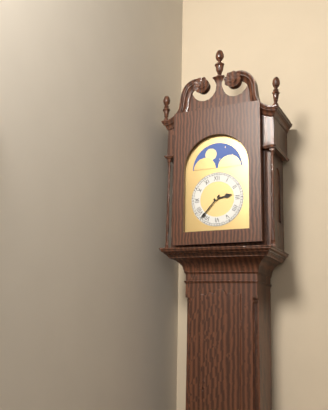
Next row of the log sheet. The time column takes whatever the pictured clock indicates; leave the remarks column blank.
2:37
